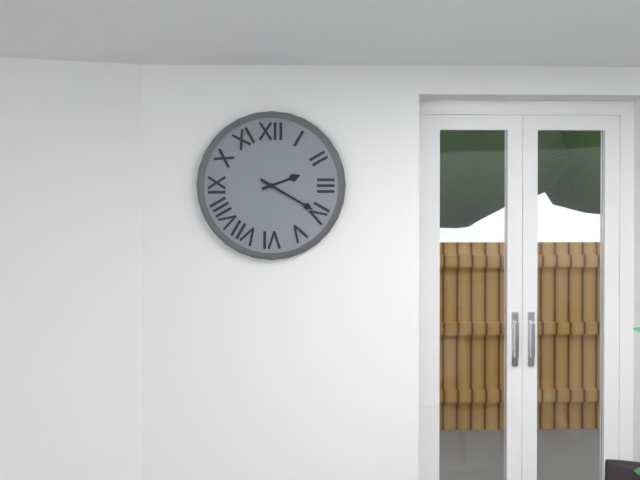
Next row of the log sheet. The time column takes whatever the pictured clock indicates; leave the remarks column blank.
2:20
